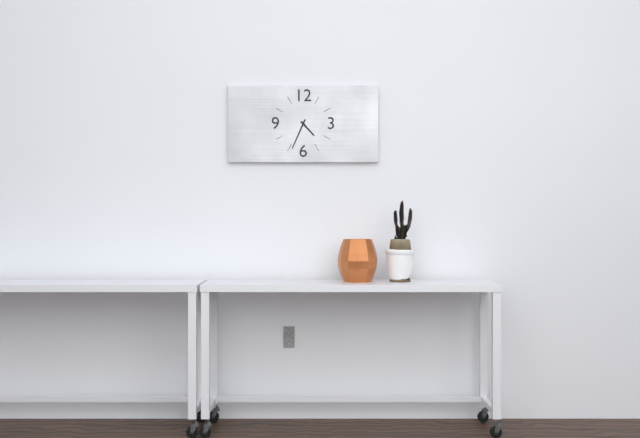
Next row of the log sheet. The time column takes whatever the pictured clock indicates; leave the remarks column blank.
4:34
